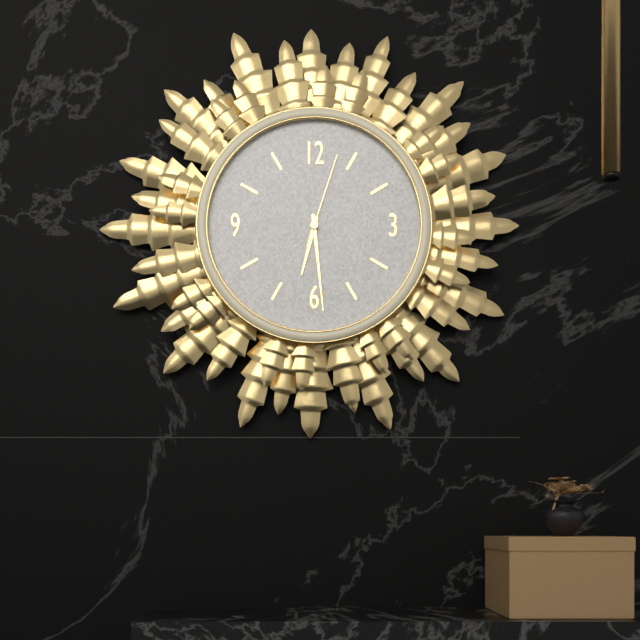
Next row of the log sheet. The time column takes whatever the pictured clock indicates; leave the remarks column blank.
6:29:03
